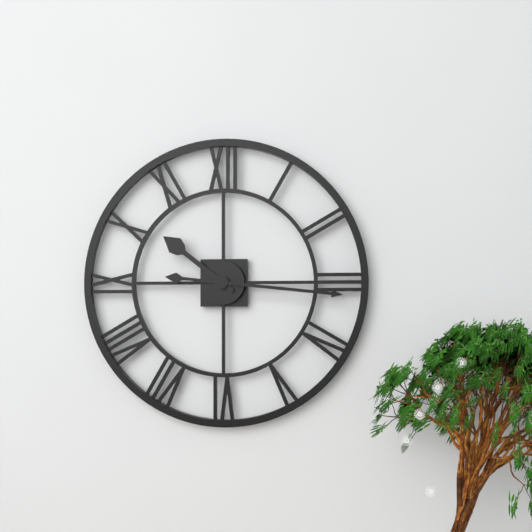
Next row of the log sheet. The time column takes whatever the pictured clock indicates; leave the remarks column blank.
10:16
